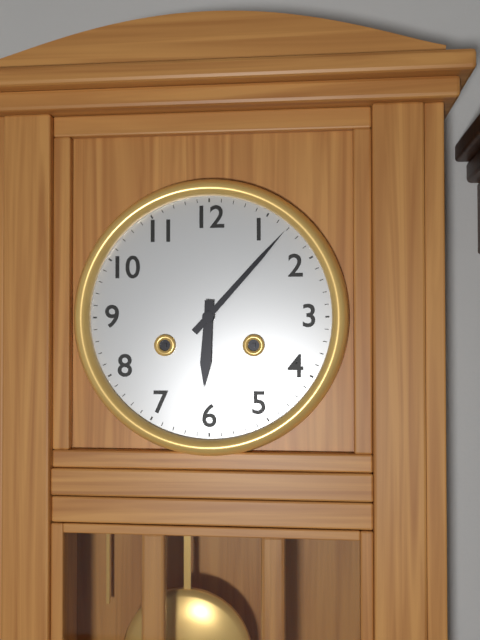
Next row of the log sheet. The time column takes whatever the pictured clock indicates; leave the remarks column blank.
6:07
